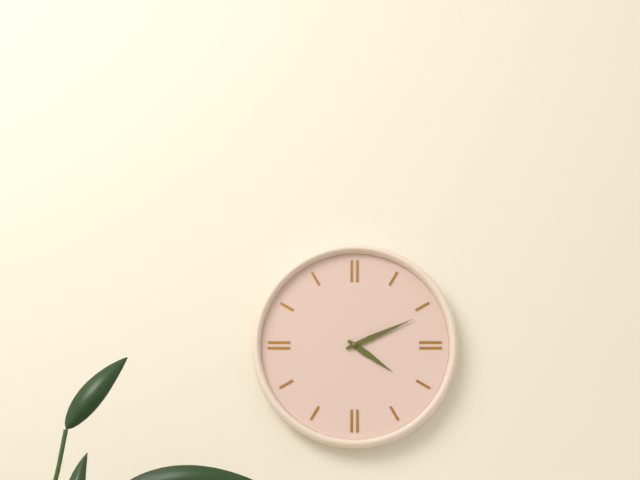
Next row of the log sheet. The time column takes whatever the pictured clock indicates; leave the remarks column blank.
4:11
